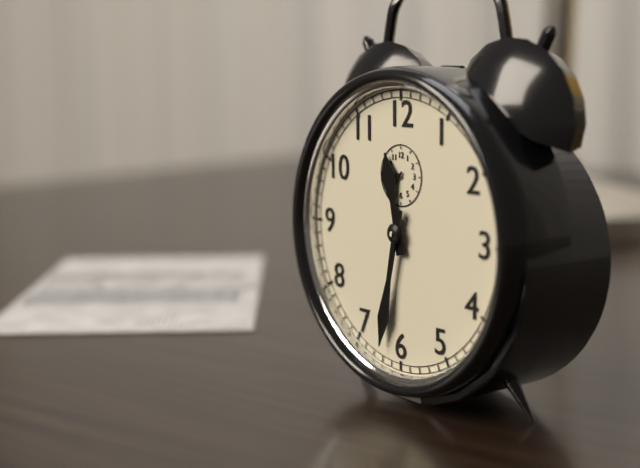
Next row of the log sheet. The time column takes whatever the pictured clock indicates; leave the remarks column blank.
11:32
